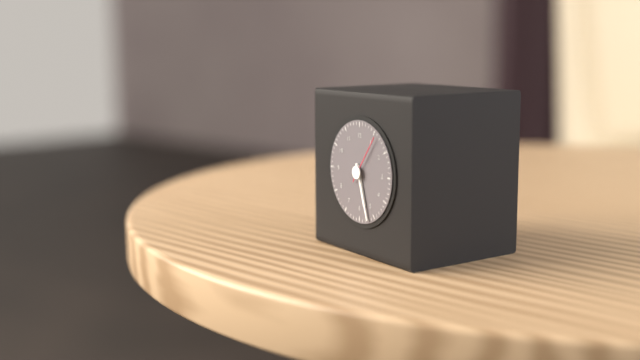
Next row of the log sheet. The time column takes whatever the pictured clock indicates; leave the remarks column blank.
5:27
